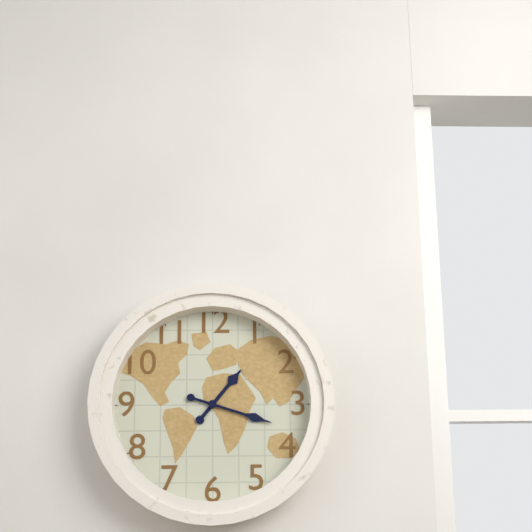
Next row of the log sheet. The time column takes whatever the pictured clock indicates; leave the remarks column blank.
1:18
